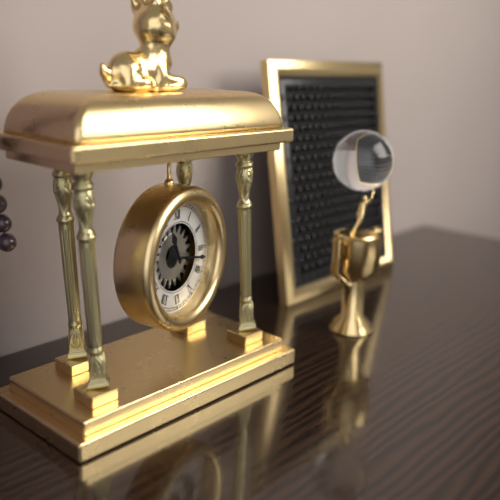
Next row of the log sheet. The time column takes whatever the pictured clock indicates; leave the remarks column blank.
11:17
